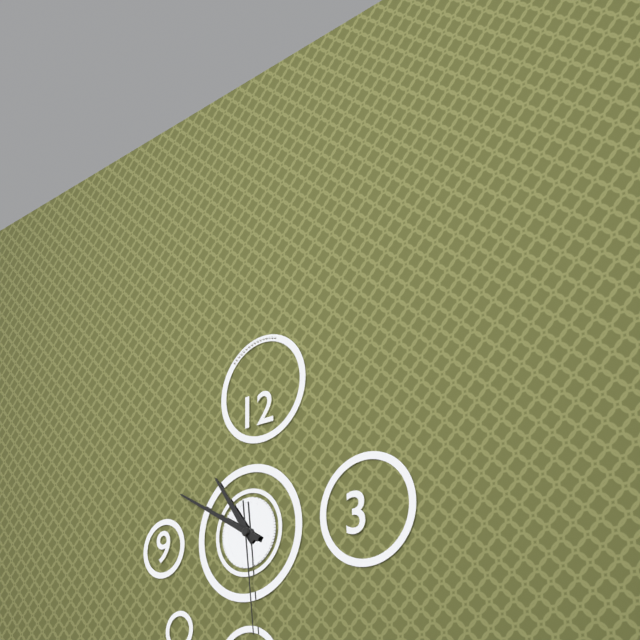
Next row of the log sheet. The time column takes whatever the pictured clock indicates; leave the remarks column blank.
10:50:29
